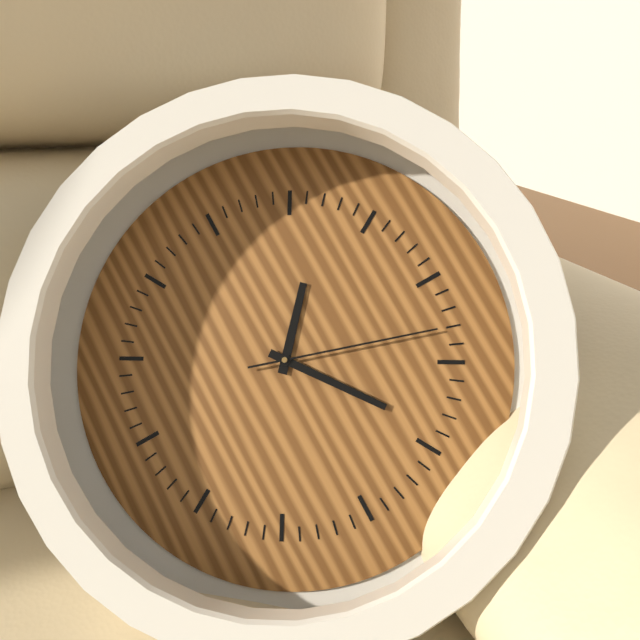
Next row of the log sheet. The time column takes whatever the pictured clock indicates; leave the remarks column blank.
1:24:18
